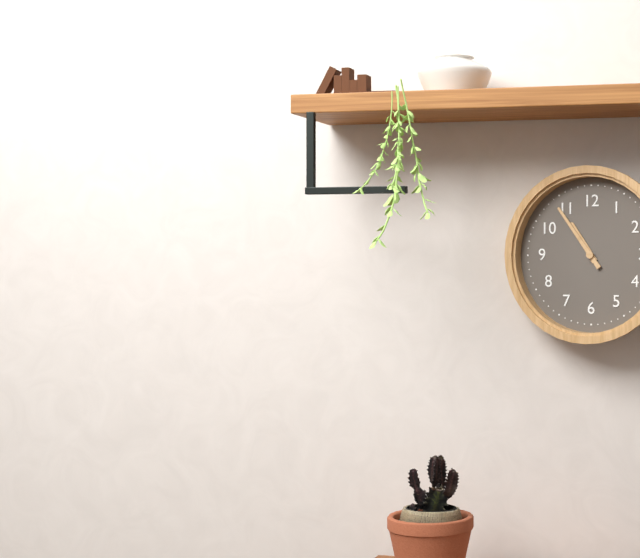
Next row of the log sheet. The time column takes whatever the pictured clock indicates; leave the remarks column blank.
10:54
